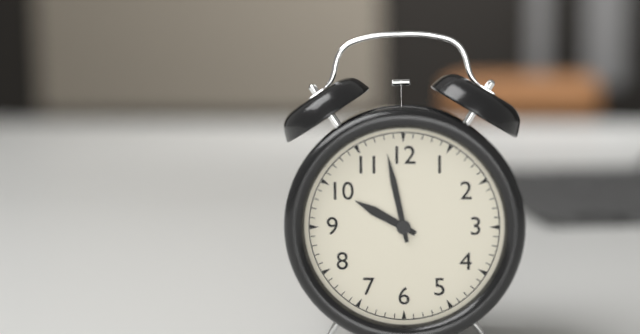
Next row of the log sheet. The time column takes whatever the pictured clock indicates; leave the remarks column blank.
9:58
